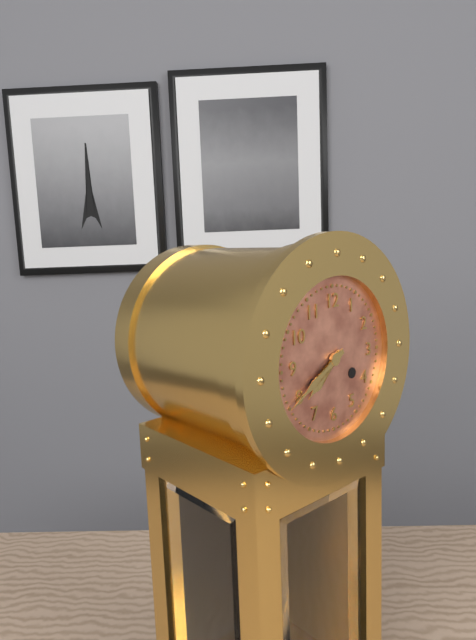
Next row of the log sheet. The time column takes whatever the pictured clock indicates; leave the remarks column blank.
7:40
